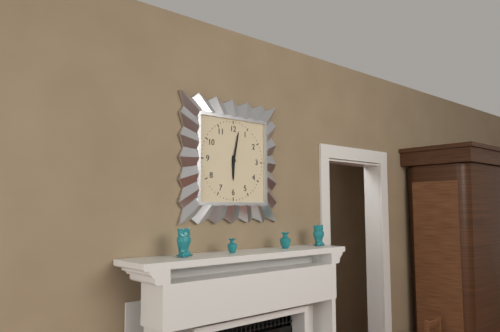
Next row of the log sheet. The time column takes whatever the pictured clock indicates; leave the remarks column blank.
6:02
